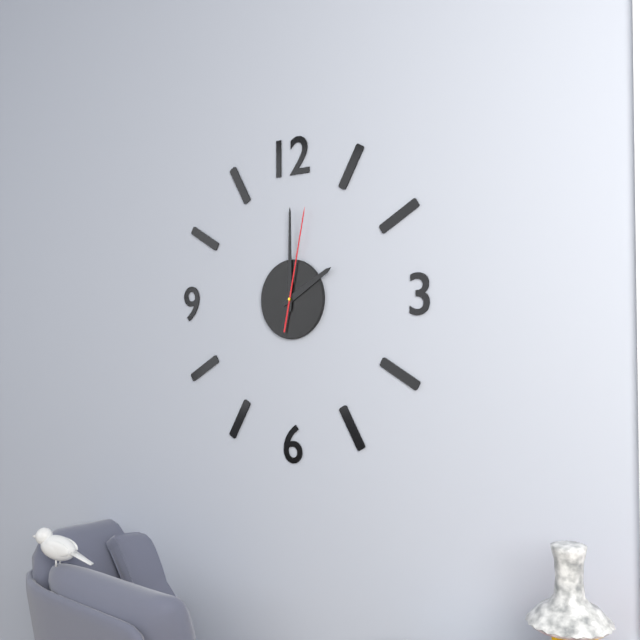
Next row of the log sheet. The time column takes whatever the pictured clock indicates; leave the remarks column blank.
2:00:02
